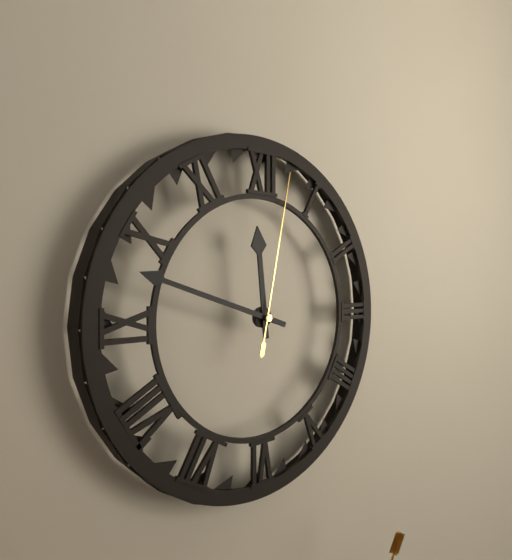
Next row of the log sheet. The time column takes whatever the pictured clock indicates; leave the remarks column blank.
11:48:02
